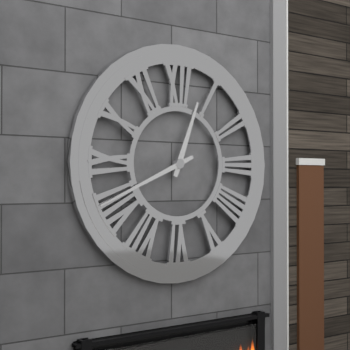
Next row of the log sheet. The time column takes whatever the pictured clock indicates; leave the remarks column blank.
12:41
